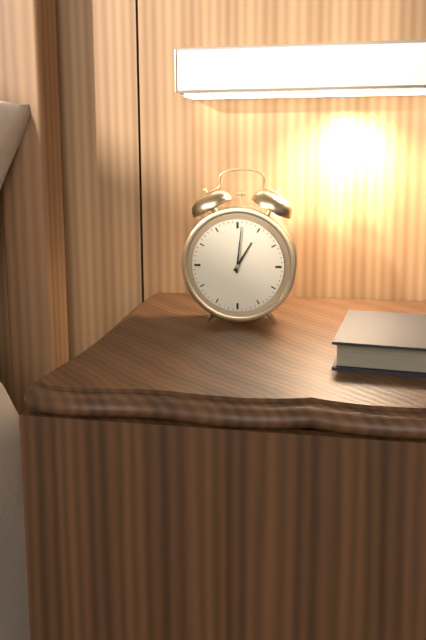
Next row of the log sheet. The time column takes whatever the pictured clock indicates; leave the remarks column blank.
1:01
